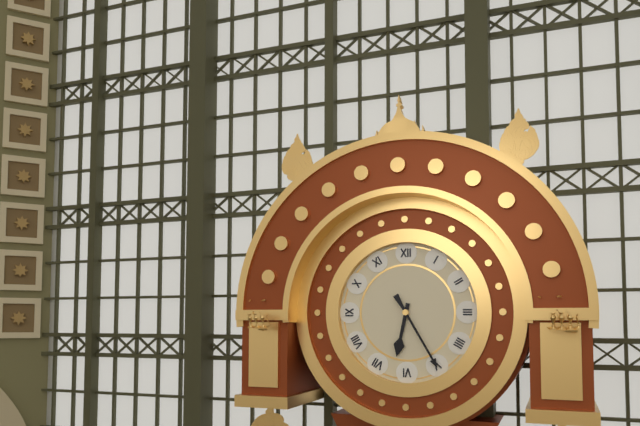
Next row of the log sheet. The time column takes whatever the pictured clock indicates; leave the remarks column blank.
6:25
